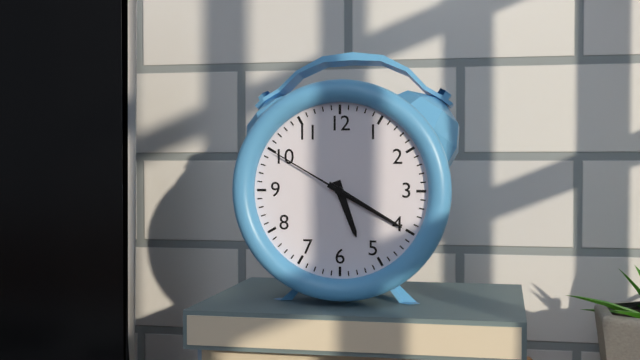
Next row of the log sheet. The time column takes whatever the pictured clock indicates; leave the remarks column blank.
5:20:50
